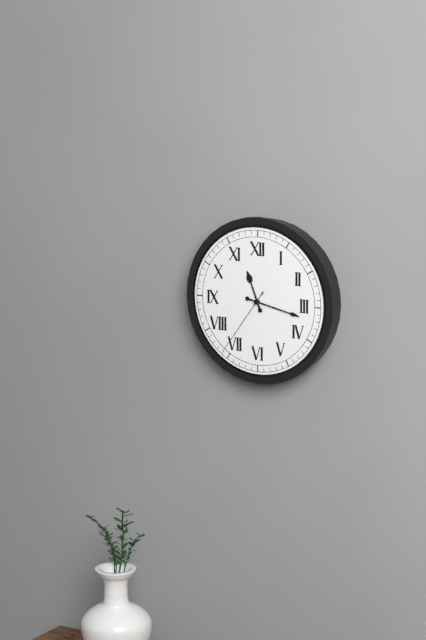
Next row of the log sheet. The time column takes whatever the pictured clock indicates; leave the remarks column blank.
11:17:36
